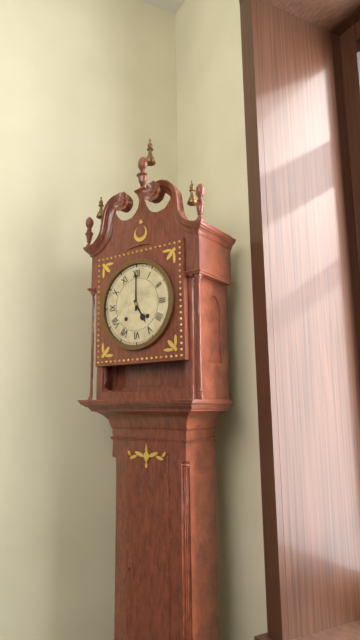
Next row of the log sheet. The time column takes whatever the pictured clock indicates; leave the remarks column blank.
5:00
